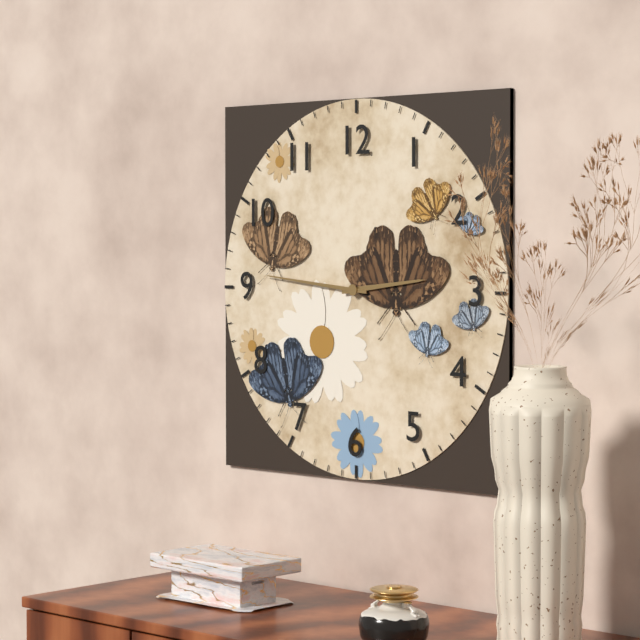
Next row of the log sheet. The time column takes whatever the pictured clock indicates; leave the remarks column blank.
2:46
